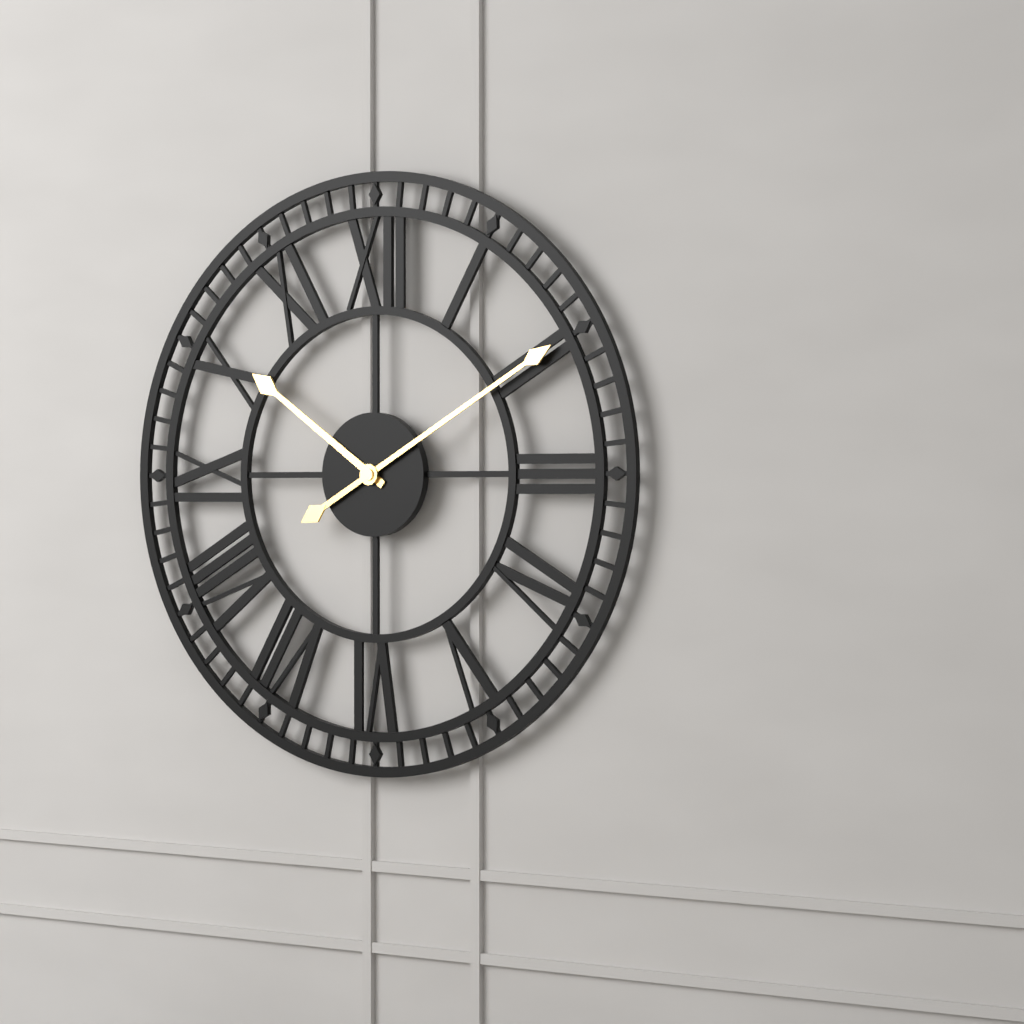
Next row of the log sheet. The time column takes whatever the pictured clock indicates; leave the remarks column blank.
10:10
